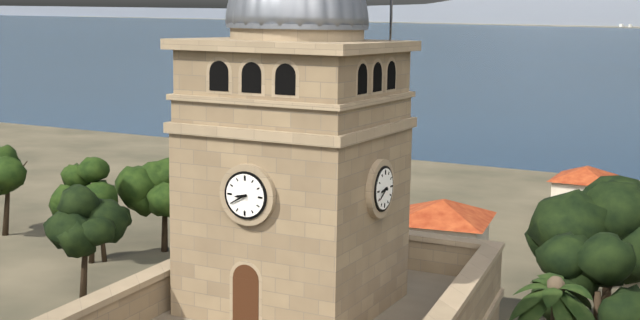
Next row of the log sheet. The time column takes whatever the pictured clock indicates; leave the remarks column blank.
8:40
